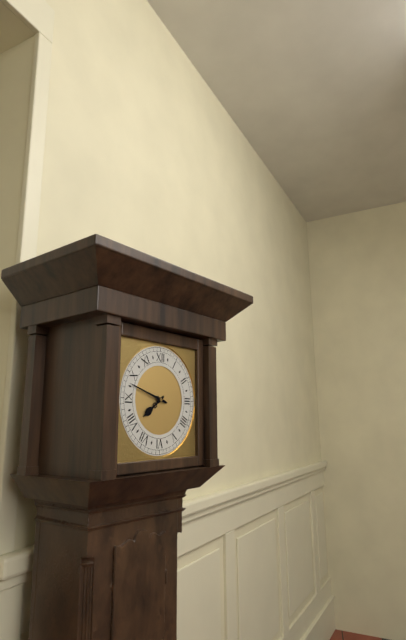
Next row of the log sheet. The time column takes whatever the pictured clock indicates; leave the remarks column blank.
7:48
